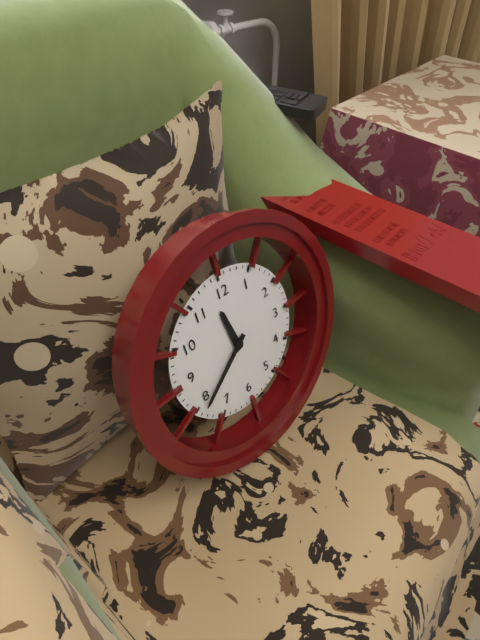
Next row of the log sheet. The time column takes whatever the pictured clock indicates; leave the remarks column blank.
11:39
